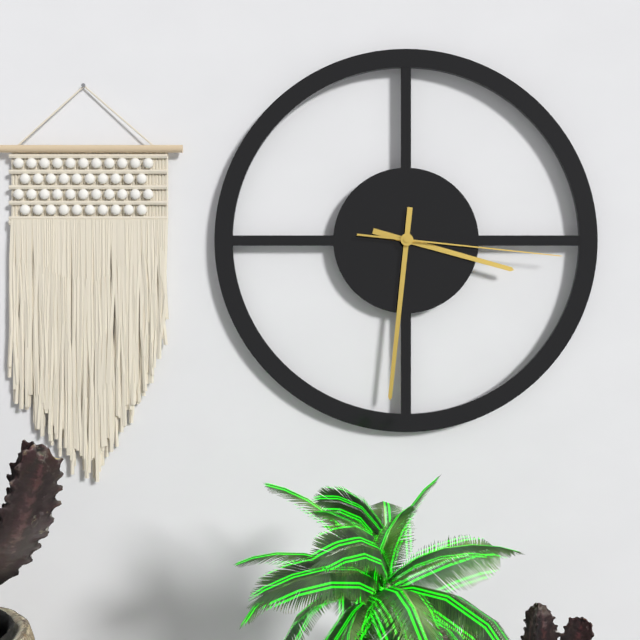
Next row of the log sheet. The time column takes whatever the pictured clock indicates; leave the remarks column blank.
3:31:16
